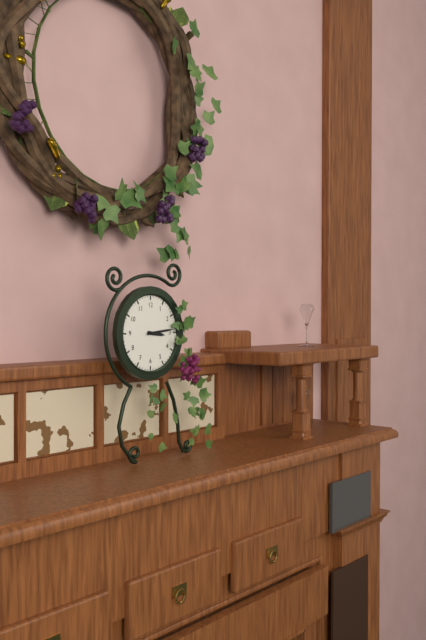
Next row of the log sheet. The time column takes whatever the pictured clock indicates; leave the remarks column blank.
3:14
